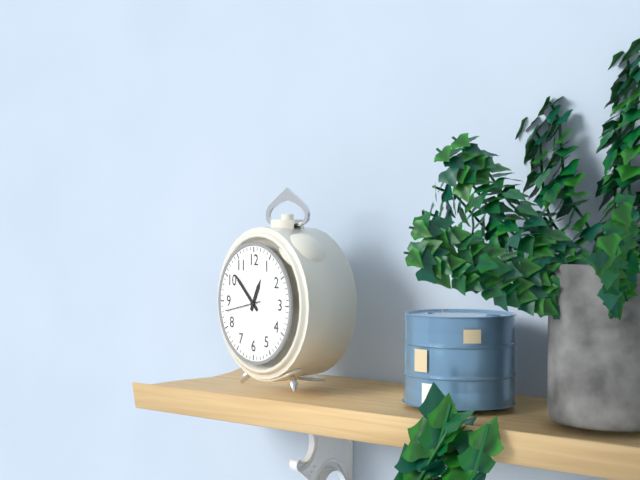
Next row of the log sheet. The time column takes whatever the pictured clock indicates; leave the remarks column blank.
12:52
